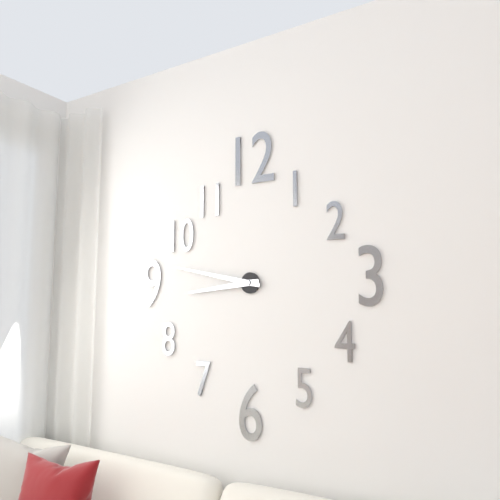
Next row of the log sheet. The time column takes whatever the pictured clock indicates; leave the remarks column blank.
8:47
